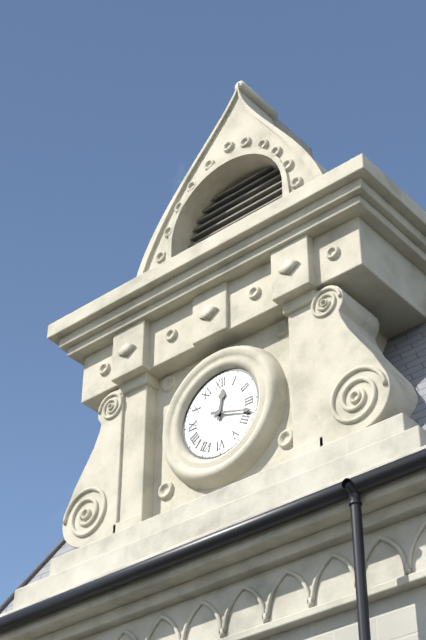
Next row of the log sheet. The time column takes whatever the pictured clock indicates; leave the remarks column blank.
12:18
